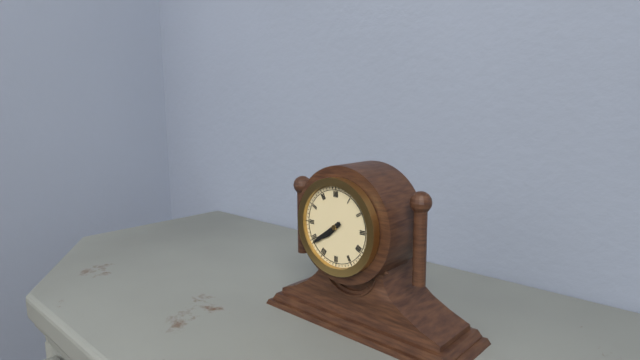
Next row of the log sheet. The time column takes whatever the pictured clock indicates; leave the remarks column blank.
7:39
